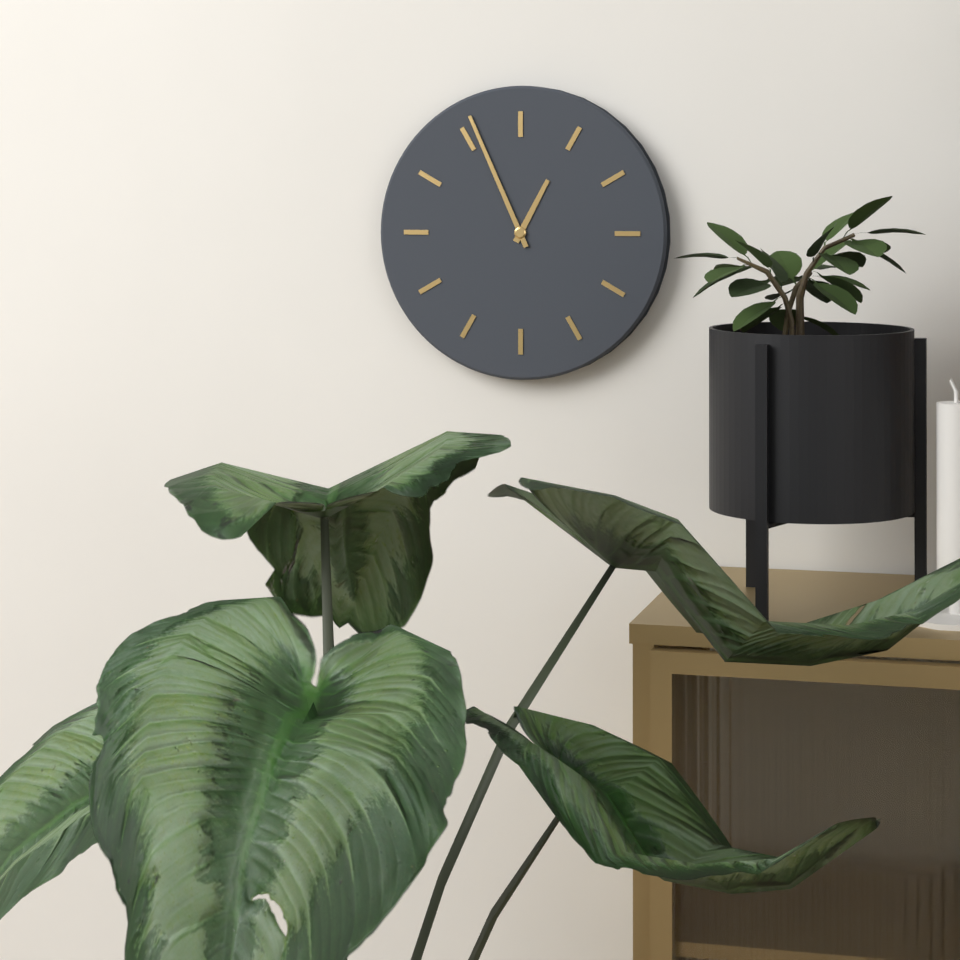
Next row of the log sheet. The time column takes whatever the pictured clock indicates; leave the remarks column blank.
12:56
